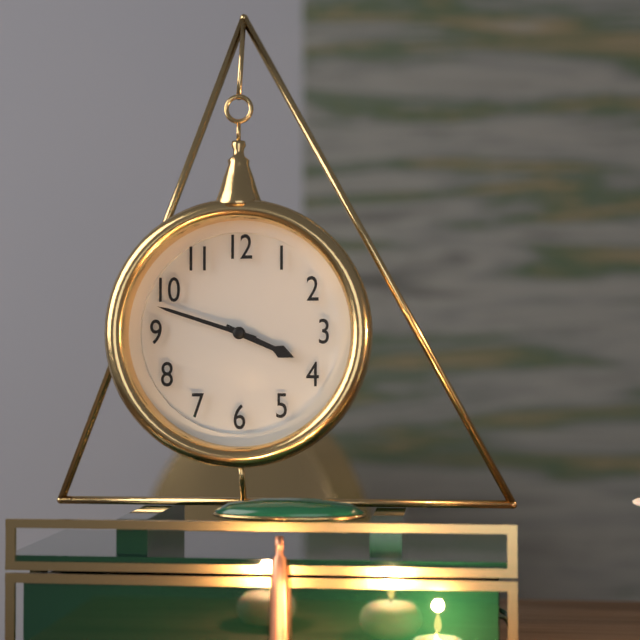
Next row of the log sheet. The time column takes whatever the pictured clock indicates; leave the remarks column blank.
3:48
